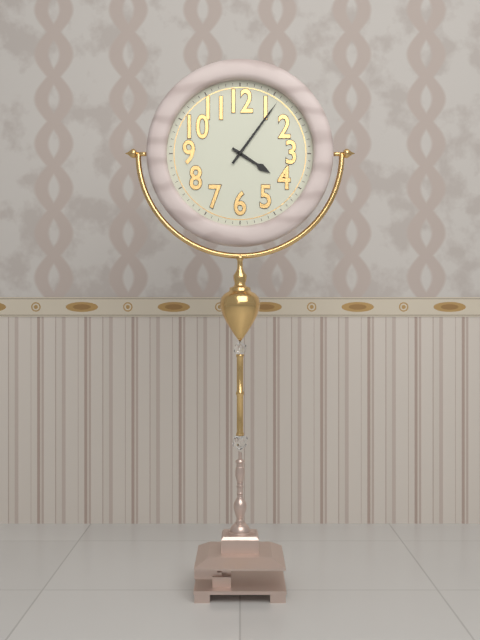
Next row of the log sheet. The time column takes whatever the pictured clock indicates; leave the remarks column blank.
4:06
